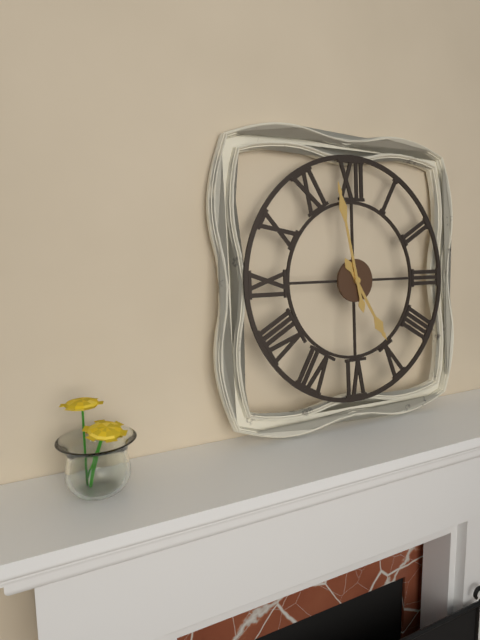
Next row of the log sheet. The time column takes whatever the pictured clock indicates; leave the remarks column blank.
4:58
